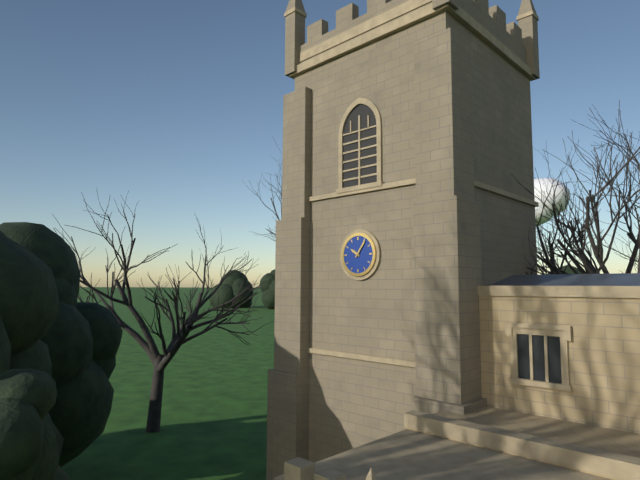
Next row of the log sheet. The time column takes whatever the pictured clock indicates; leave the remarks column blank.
10:06
